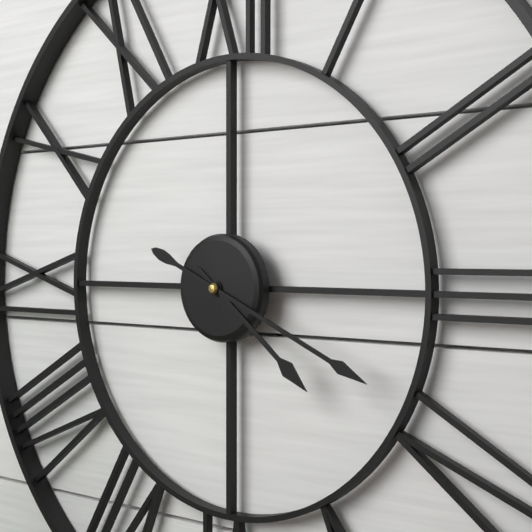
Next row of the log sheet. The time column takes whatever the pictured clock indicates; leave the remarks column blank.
4:19
